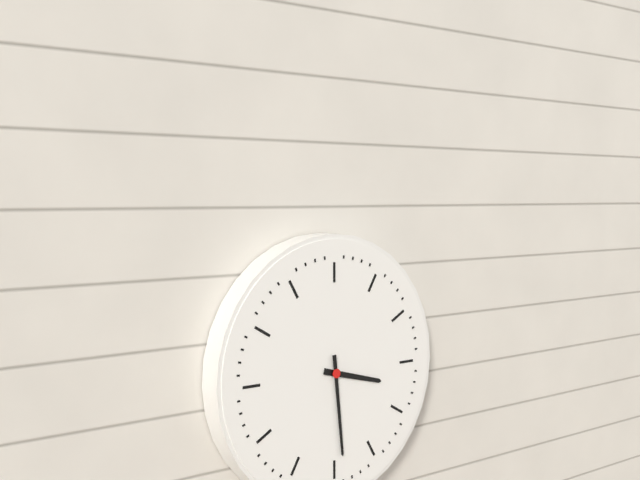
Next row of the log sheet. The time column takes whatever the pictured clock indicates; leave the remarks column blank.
3:29
